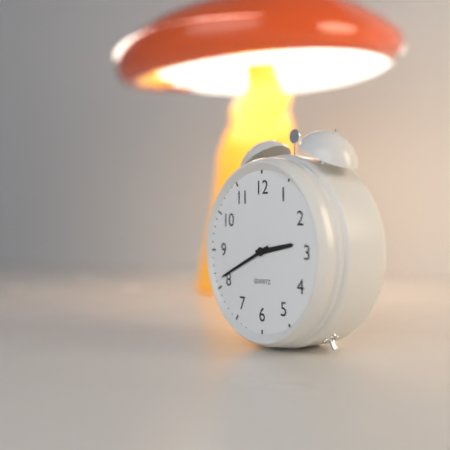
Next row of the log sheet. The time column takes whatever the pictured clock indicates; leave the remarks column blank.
2:41
